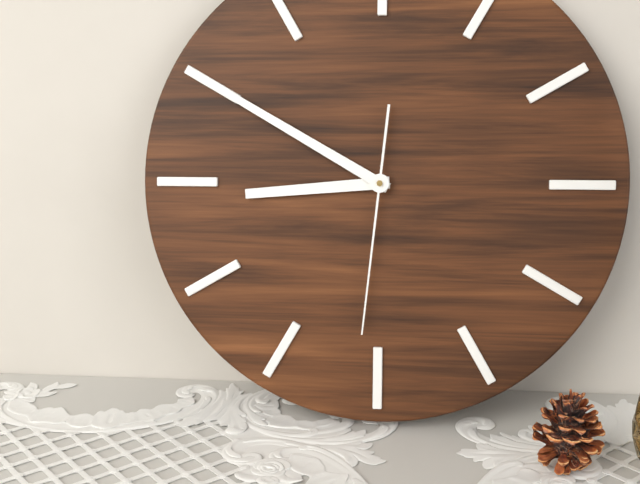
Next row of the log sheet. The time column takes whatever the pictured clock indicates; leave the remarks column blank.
8:50:31
